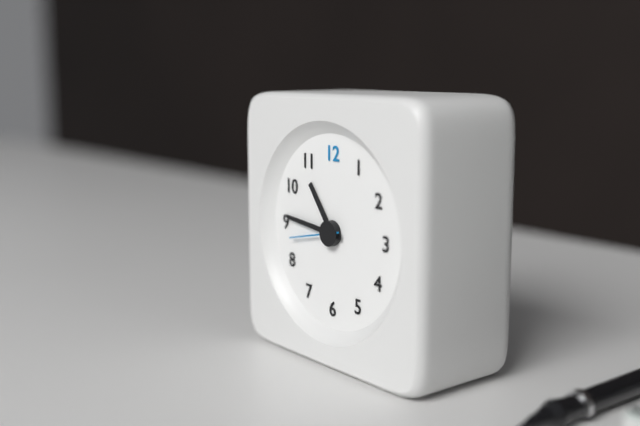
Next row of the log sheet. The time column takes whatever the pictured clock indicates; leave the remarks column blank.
10:46
